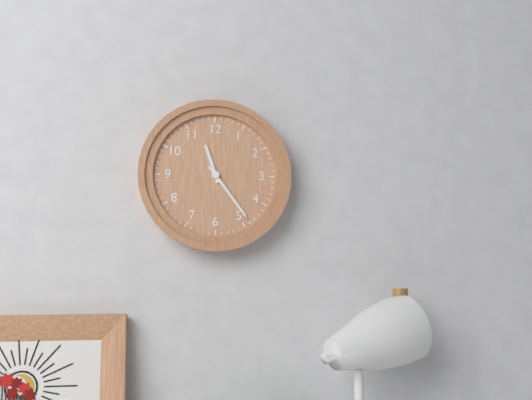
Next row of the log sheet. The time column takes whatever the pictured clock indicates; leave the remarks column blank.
11:24
